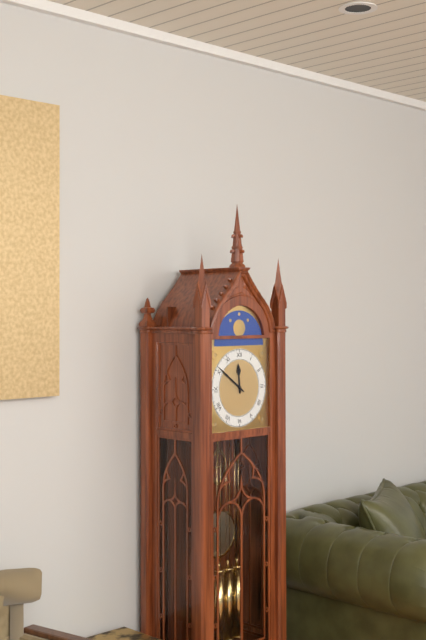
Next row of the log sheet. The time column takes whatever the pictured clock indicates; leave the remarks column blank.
11:51
